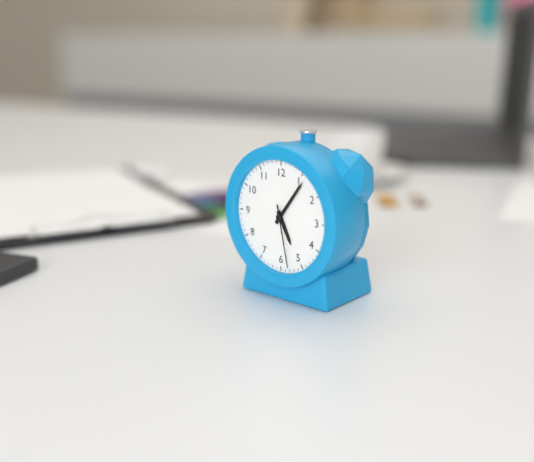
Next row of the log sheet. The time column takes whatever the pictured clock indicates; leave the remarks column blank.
5:06:28
